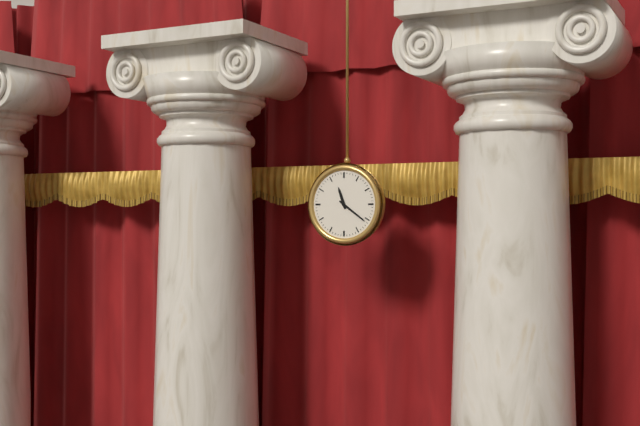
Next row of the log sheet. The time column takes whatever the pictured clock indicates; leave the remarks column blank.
11:21
